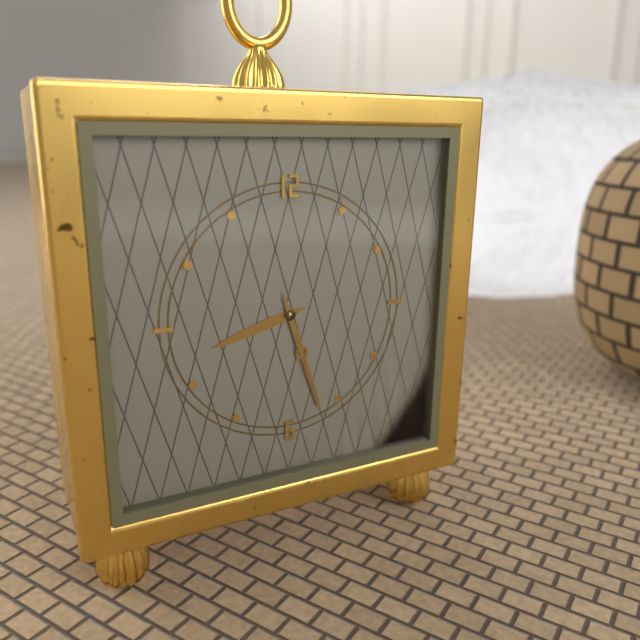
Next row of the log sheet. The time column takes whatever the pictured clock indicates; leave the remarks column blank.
8:27
